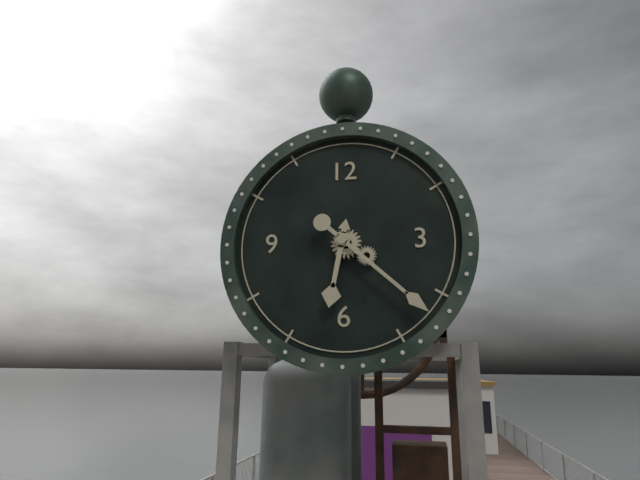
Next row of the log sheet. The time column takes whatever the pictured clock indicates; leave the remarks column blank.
6:22
